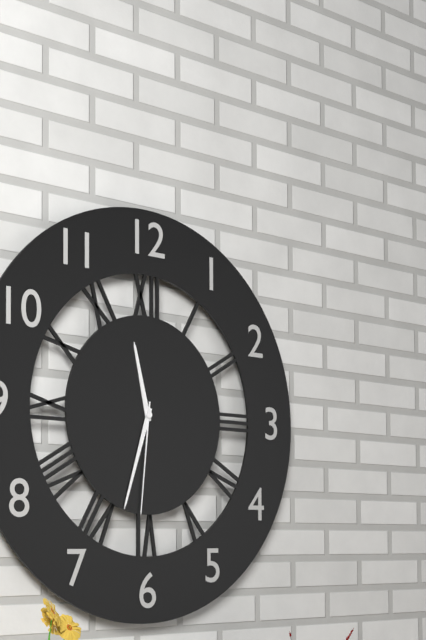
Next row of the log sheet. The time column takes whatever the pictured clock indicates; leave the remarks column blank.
11:33:31
